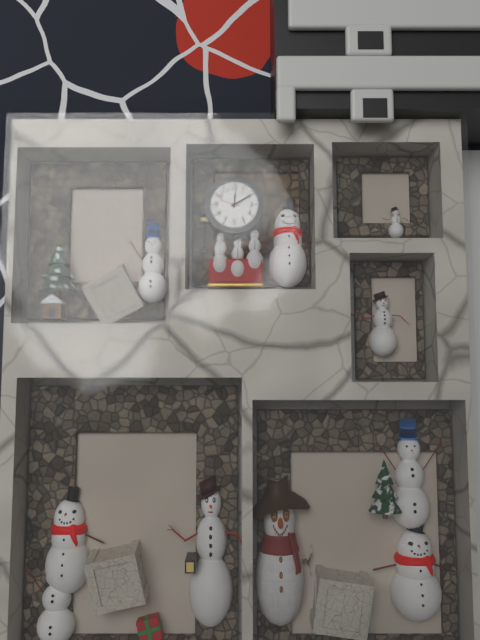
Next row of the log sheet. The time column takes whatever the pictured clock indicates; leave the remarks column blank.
12:10
